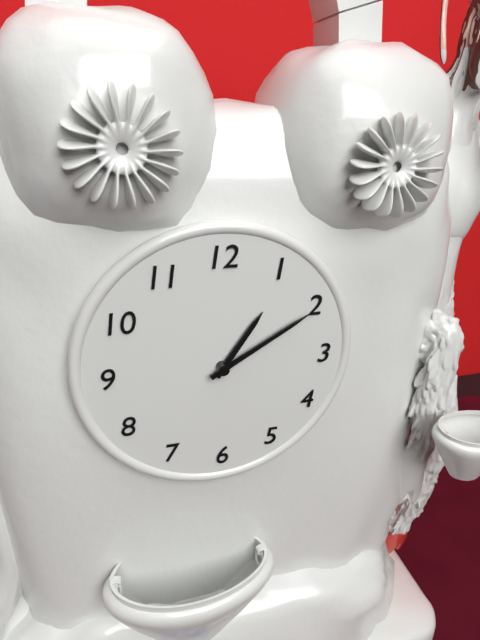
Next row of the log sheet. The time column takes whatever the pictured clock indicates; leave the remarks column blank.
1:10
